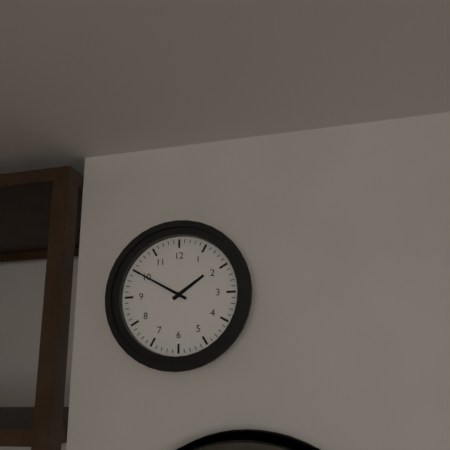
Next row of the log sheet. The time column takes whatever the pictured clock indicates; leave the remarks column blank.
1:50
